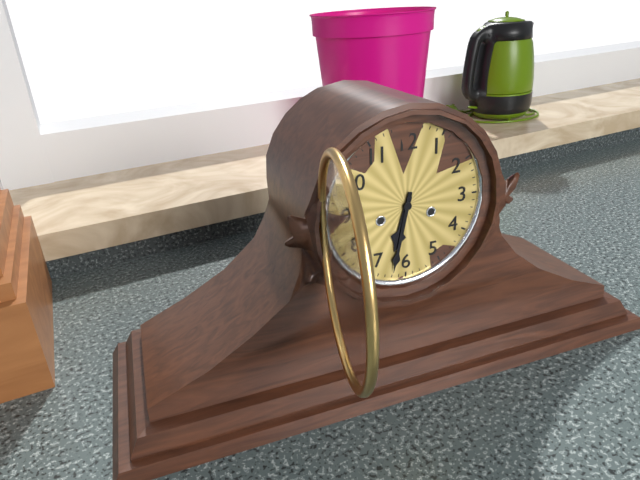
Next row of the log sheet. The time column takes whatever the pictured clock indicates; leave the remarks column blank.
6:32
